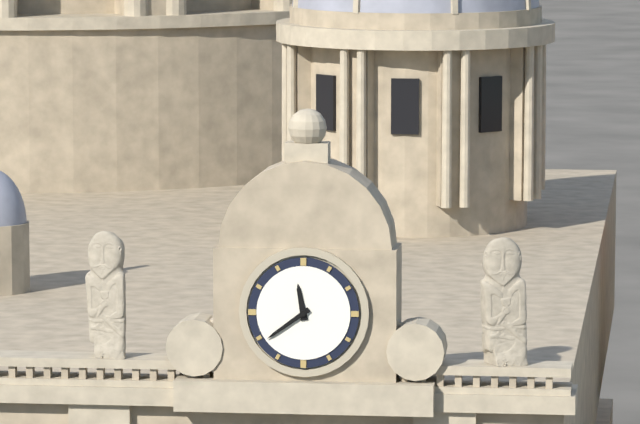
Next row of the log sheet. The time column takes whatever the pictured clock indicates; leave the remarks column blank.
11:39
